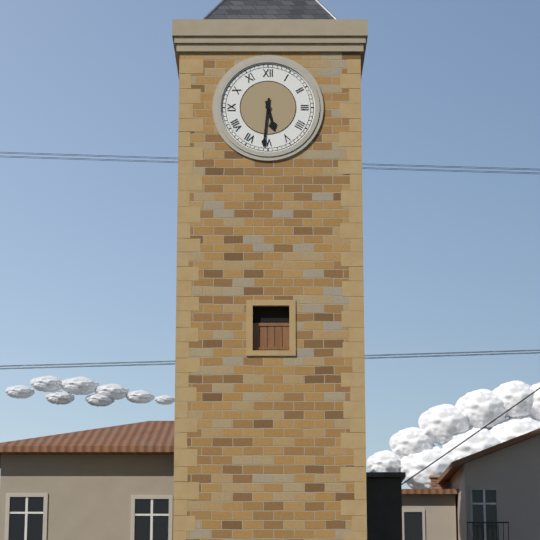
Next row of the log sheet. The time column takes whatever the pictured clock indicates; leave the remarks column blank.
5:31
